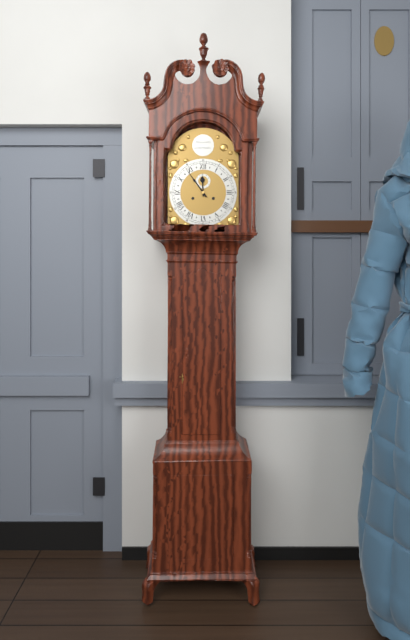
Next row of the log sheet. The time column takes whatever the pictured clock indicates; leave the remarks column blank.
11:54
